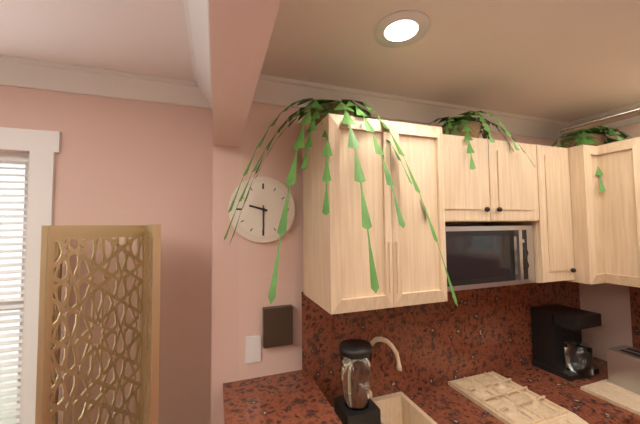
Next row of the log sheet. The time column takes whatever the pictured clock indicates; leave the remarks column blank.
9:30
